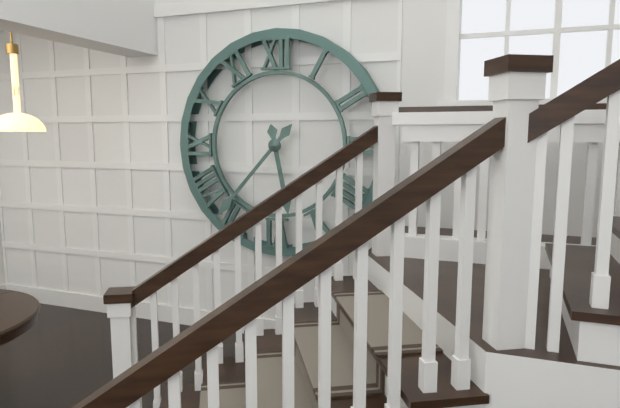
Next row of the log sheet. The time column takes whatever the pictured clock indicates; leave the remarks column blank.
5:37
